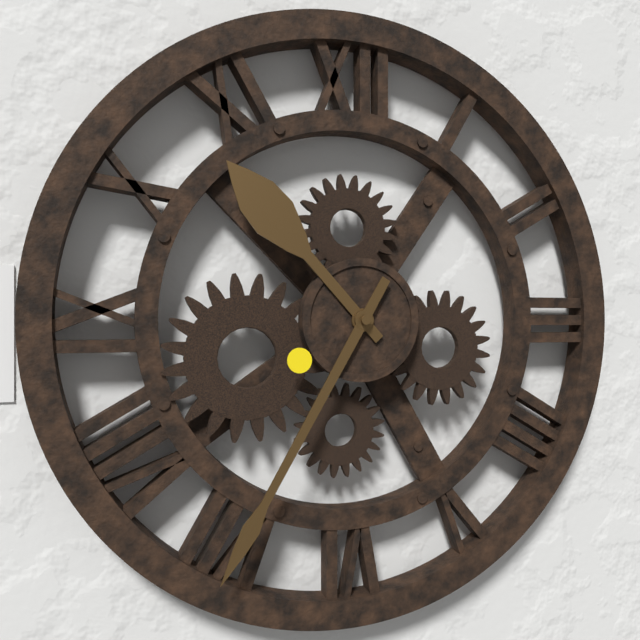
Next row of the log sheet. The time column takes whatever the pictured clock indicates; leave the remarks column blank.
10:35
